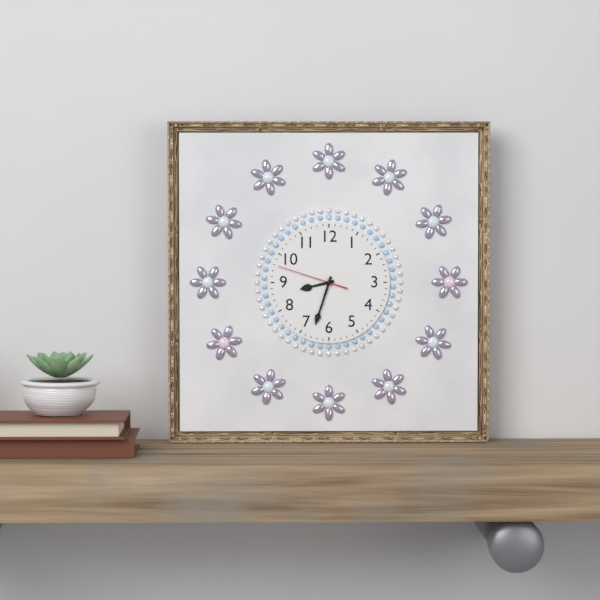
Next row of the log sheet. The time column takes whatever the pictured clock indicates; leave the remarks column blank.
8:33:48
